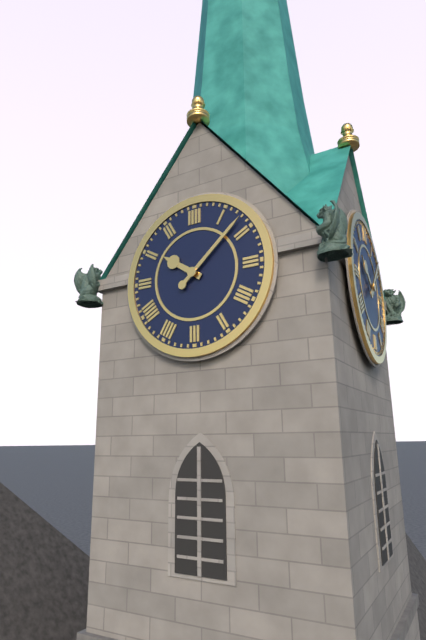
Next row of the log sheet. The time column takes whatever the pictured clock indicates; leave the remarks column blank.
10:08
